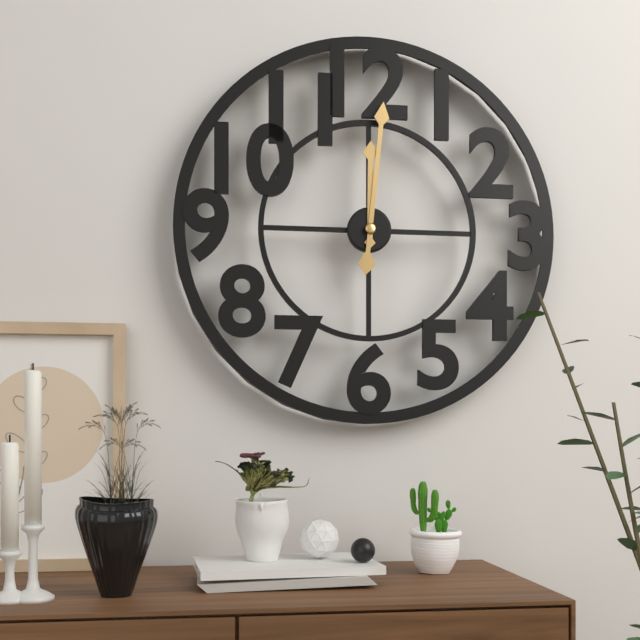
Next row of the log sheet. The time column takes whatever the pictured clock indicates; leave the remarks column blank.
12:01
